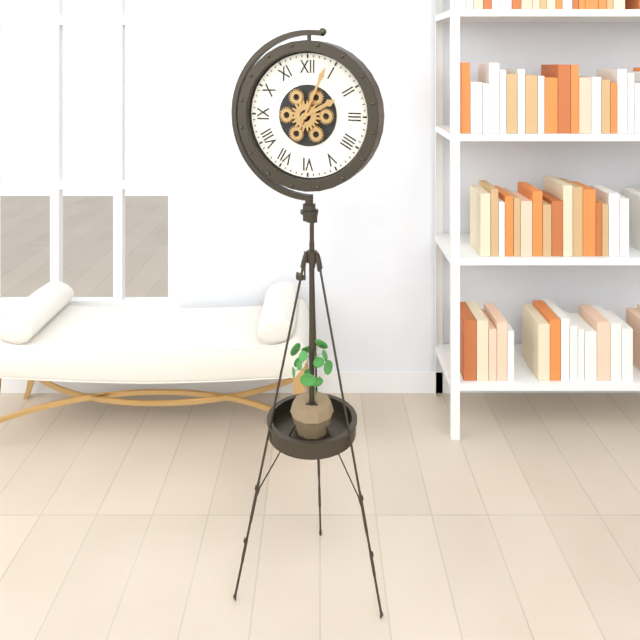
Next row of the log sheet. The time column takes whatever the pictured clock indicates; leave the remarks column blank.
2:04
